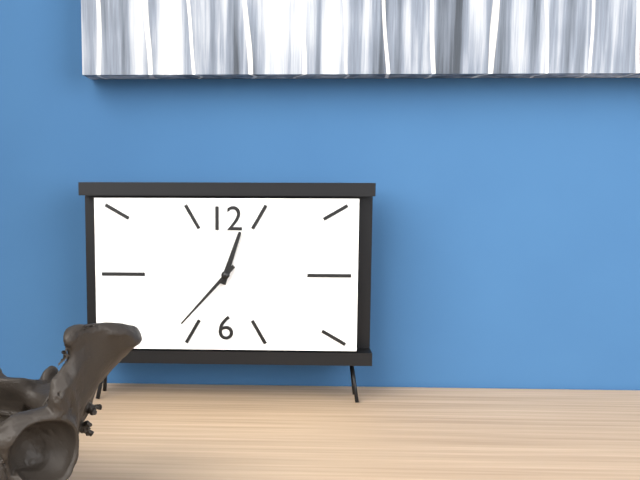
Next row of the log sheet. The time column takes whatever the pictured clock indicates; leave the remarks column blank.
12:37
